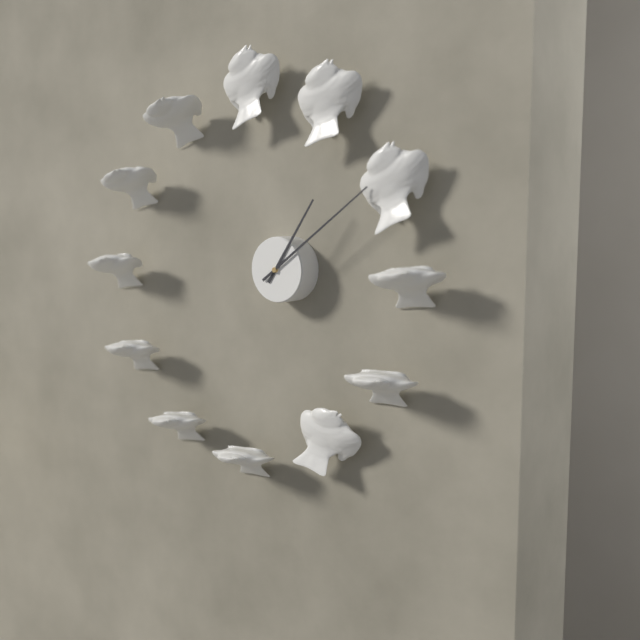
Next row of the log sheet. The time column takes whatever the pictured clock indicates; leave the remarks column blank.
1:09
